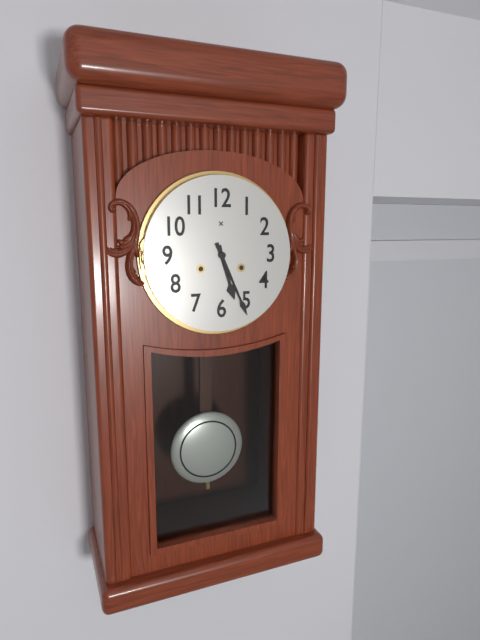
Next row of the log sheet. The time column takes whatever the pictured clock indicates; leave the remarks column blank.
5:26
